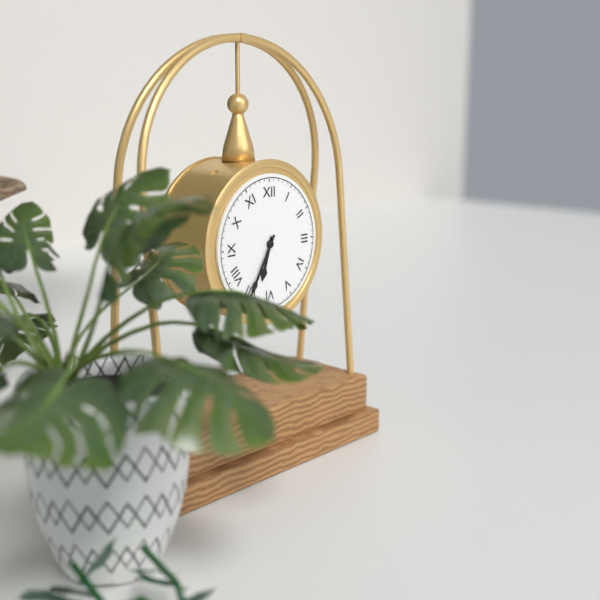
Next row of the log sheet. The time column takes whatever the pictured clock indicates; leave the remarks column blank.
6:35
